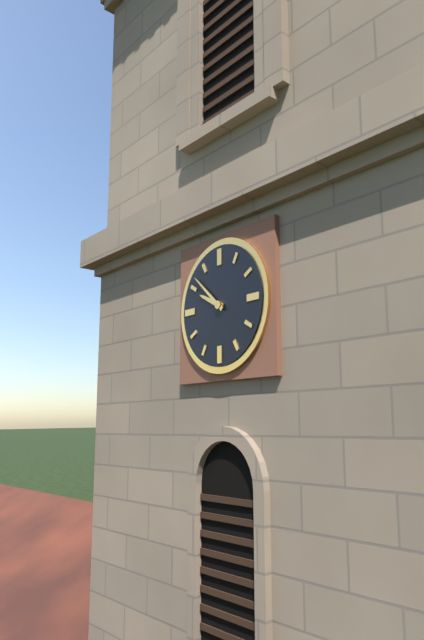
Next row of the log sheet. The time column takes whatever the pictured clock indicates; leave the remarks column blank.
9:52
